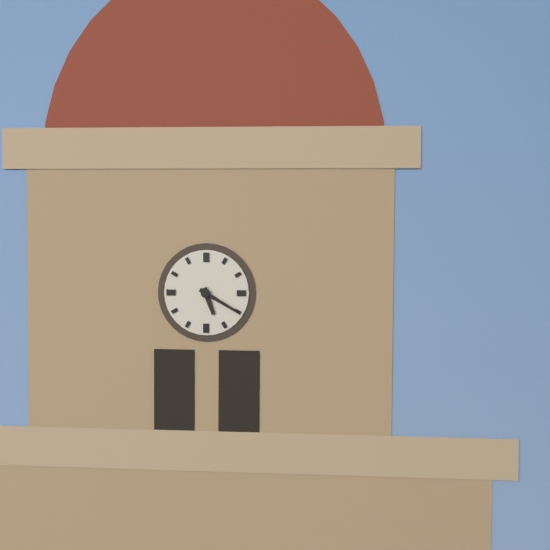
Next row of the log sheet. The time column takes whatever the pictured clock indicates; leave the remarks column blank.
5:20
